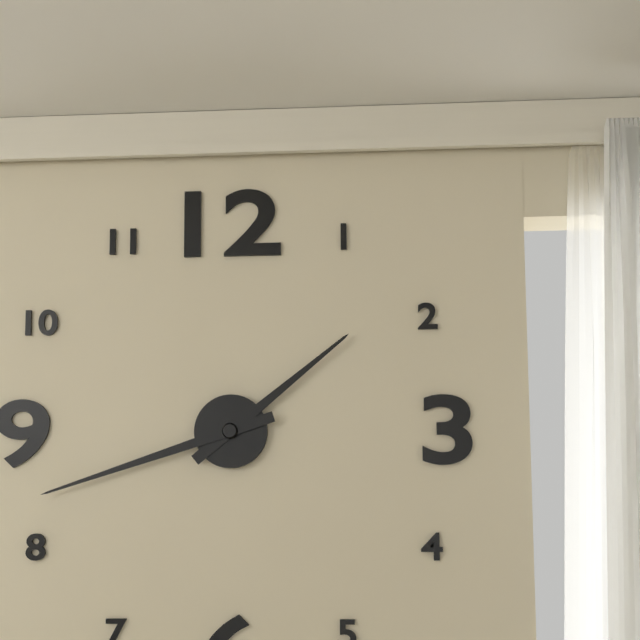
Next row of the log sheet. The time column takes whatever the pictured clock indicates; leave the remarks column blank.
1:42
